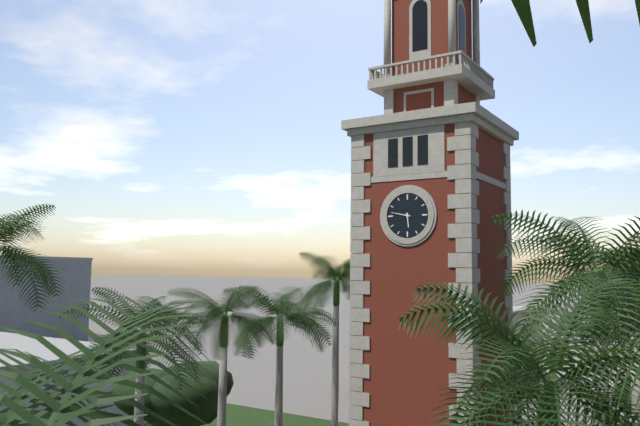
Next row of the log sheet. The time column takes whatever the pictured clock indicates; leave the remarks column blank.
5:47
